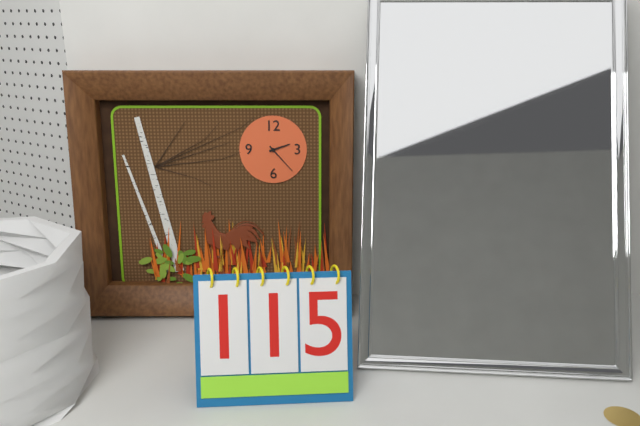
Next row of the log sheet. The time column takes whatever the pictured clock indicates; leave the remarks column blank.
2:23
